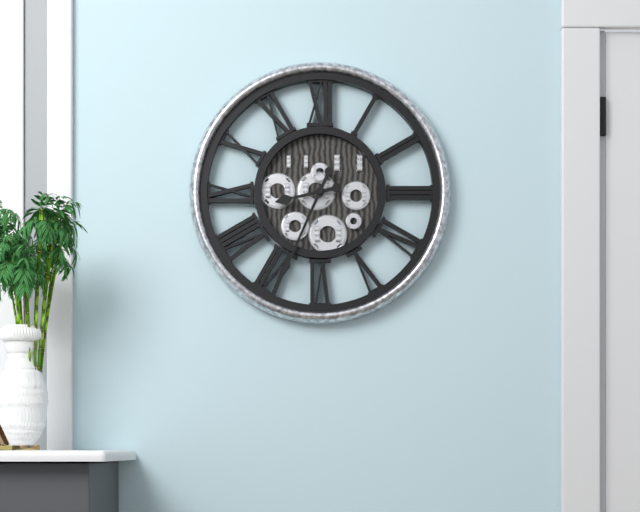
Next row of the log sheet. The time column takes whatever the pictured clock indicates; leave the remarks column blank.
8:34
